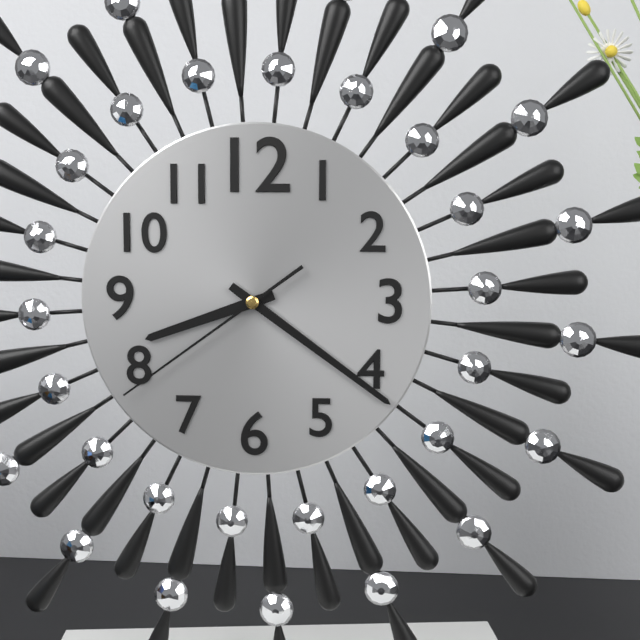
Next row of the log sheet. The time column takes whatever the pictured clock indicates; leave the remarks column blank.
8:21:39
